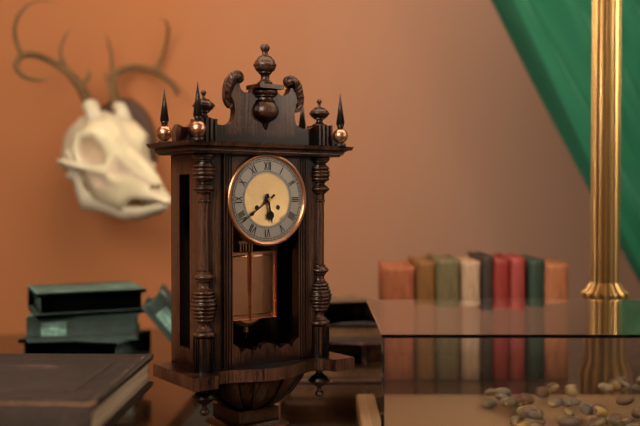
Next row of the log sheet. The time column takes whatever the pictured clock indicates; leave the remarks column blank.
5:39
